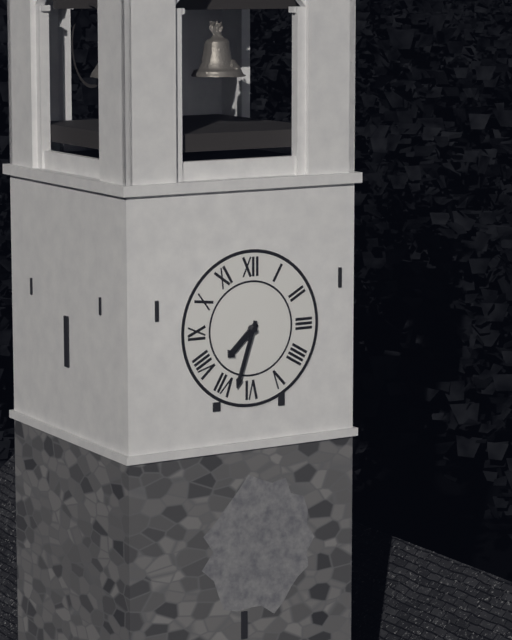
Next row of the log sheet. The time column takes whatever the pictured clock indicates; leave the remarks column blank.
7:33
